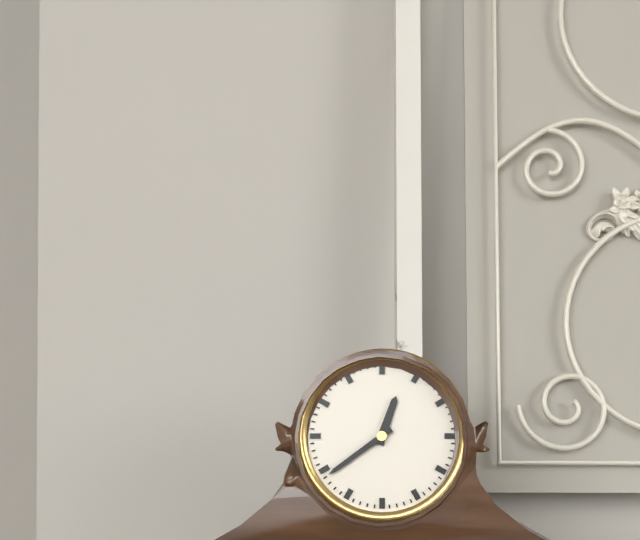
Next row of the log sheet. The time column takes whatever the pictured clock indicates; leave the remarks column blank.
12:39
